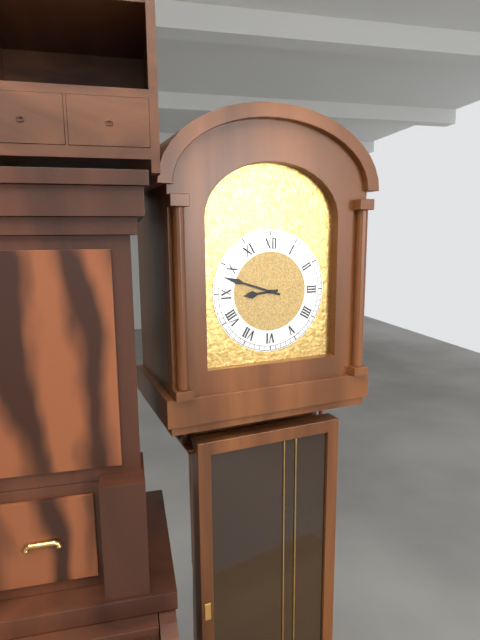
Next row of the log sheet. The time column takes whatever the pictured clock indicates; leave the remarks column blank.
8:48
